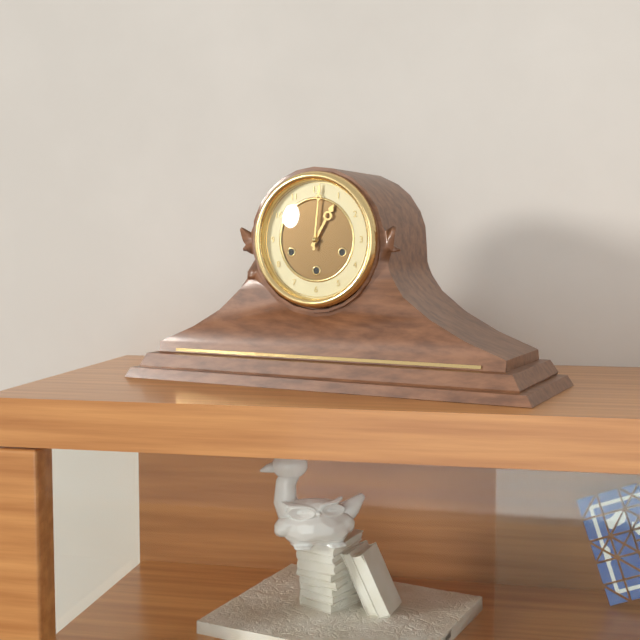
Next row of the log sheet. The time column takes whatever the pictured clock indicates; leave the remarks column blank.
1:01
